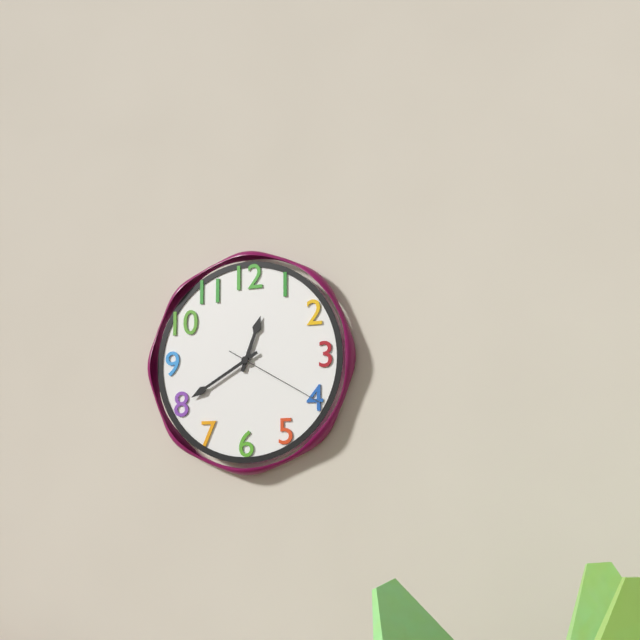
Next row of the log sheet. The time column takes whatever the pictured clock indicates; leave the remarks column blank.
12:40:20
